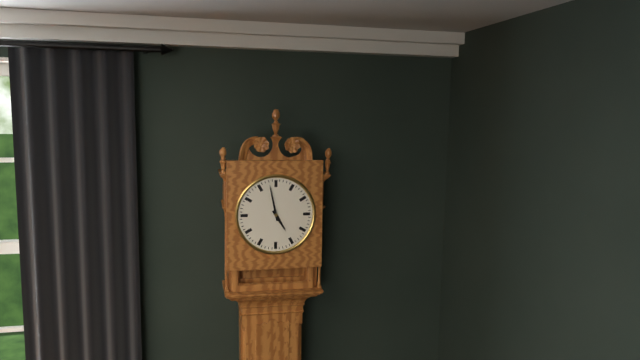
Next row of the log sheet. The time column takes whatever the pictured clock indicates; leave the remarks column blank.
4:58
